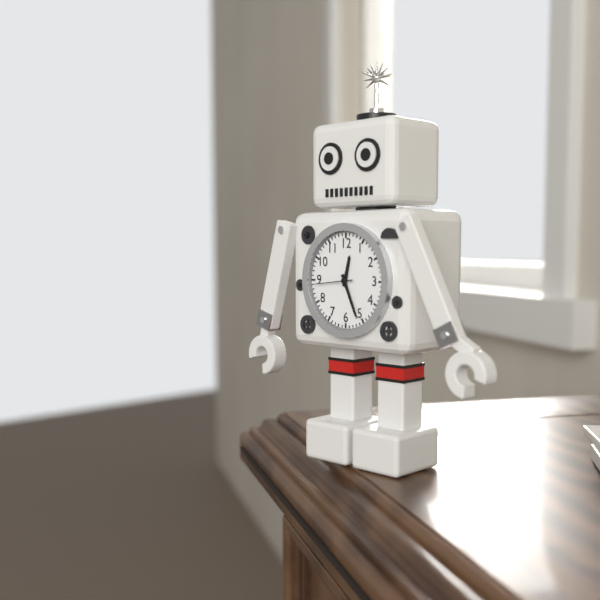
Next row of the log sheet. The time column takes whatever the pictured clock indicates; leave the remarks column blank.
12:26:44
